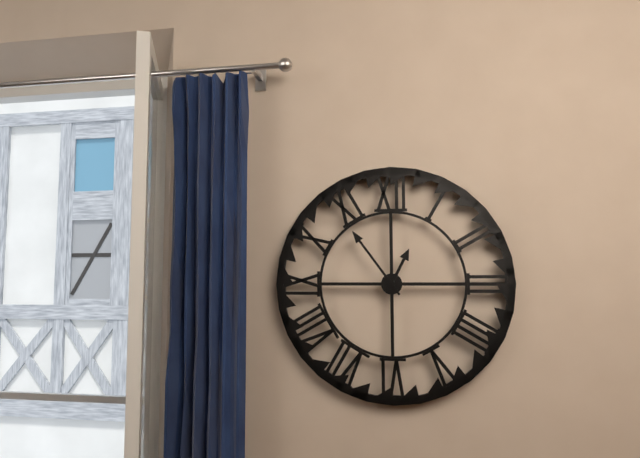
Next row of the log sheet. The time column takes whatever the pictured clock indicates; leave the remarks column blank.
12:54
